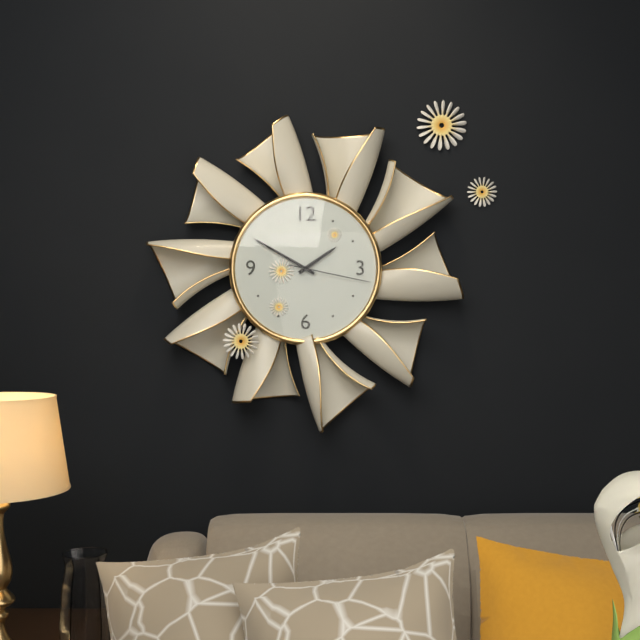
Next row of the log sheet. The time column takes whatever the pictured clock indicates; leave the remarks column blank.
1:50:17
